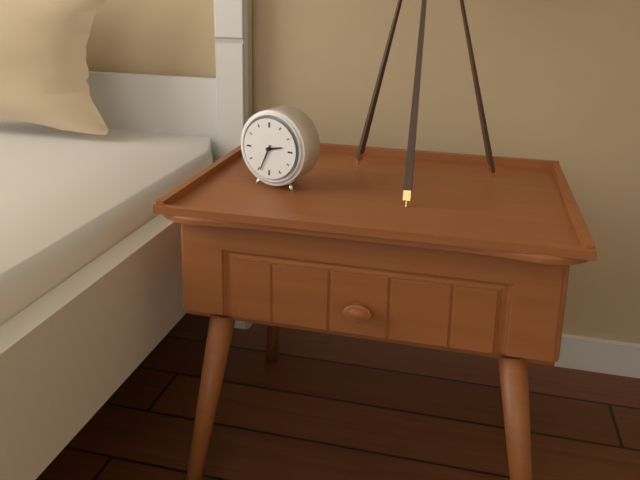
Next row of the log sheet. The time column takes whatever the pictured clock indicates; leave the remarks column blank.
2:34
